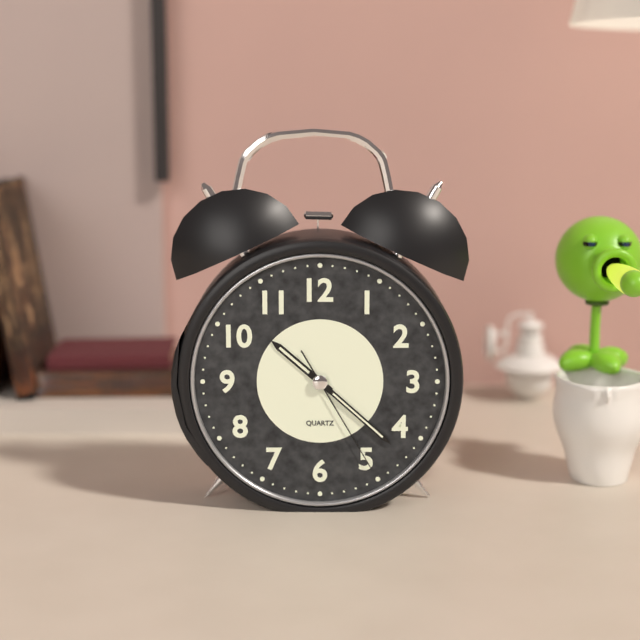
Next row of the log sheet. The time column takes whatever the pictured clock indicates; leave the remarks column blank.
10:22:25
